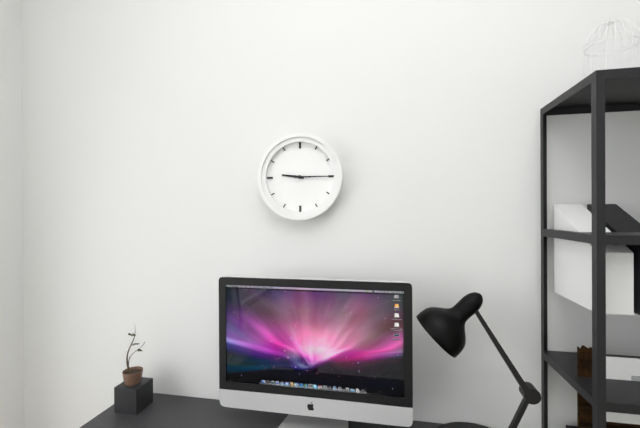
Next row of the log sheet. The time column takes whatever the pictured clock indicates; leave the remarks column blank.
9:15
